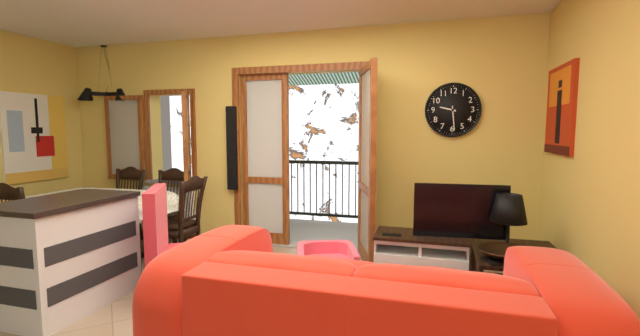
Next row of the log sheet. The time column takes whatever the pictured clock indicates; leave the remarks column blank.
9:29
